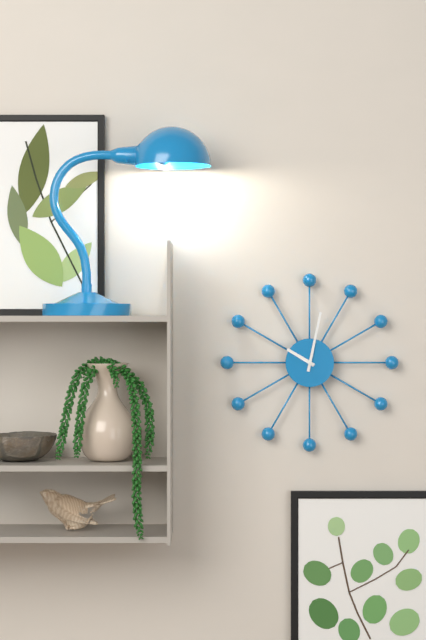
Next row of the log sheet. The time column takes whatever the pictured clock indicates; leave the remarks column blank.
10:02
